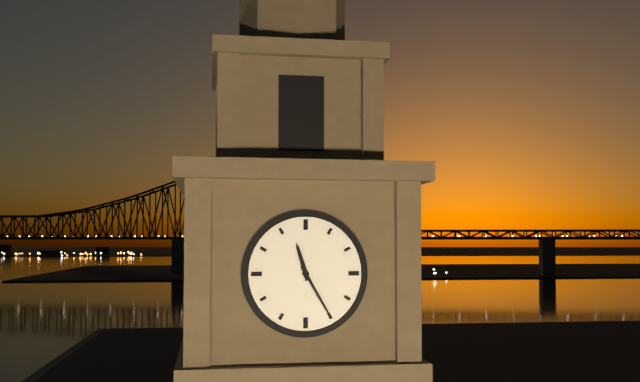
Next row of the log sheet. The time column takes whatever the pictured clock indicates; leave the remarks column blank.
11:25
